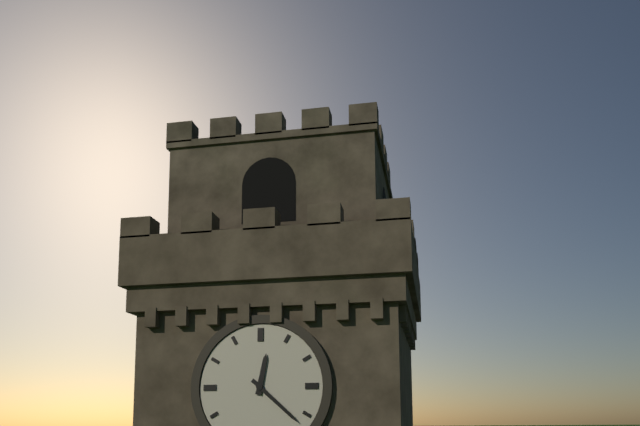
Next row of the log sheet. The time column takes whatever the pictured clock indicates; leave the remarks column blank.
12:22
